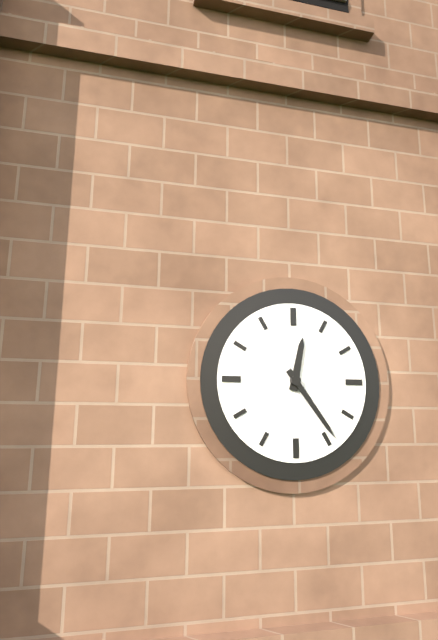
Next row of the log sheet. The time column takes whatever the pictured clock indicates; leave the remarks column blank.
12:24
